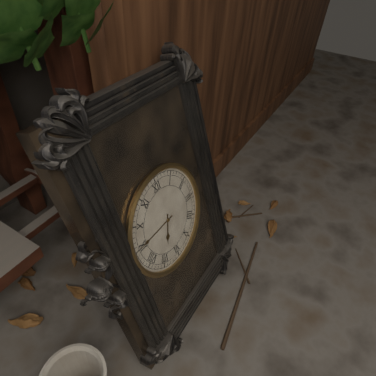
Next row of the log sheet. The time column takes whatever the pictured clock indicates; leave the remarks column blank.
6:45
